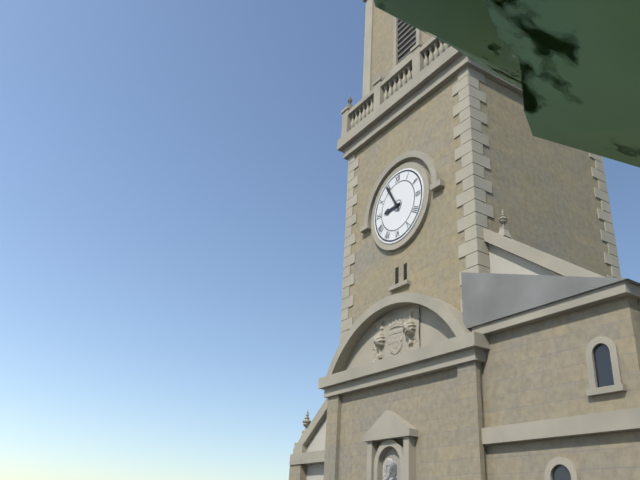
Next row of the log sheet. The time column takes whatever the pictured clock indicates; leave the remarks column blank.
8:55
